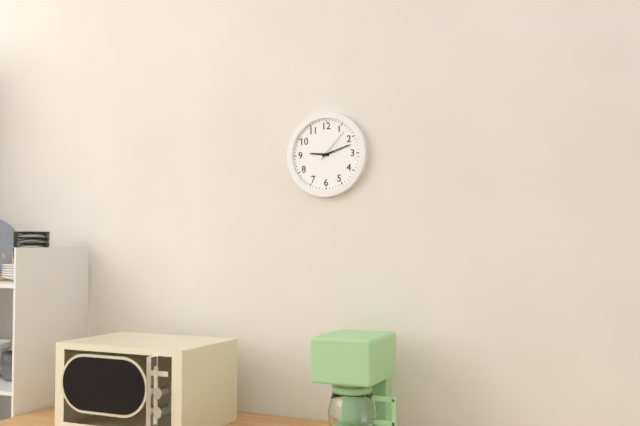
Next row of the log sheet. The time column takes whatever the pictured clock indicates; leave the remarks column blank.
9:12
